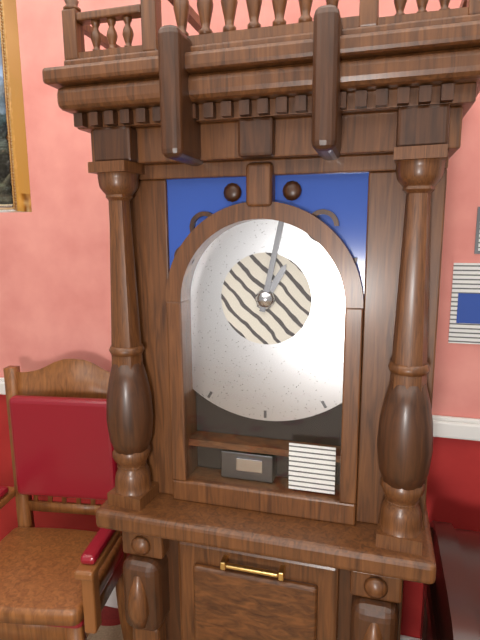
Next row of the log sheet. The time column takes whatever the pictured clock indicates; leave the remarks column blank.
1:02
